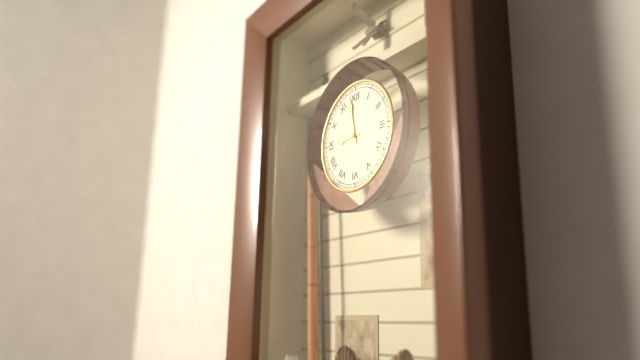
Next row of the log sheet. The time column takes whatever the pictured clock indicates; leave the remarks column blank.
8:58
